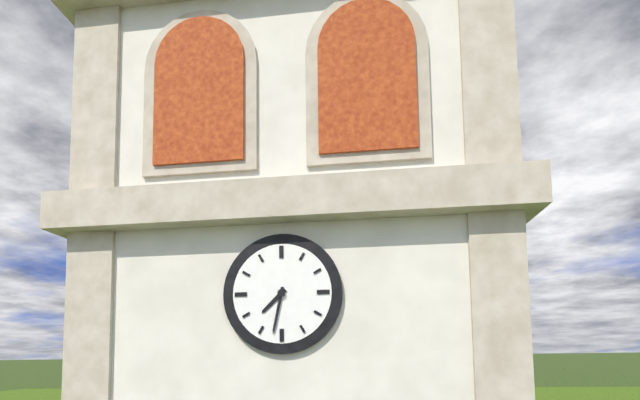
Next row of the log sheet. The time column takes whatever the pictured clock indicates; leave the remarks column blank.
7:32
